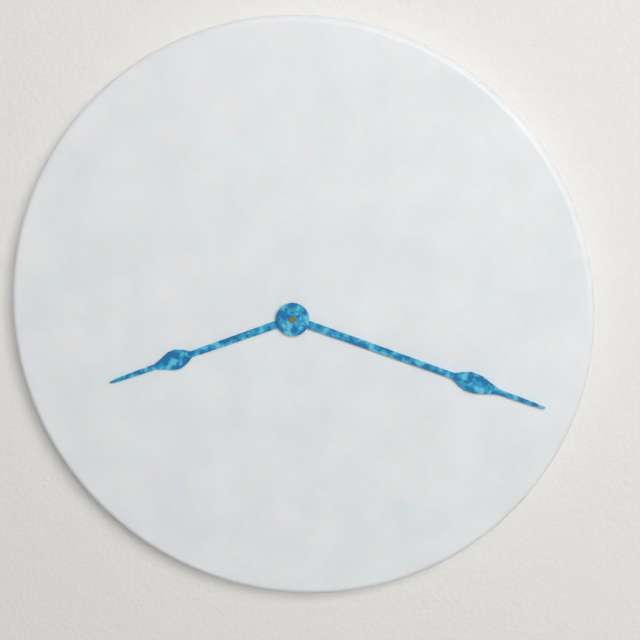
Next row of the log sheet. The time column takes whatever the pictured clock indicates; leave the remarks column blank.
8:18
